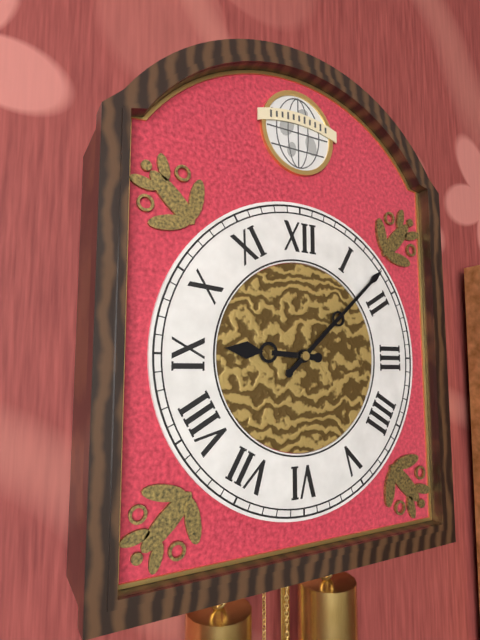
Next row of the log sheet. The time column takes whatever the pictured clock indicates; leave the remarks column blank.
9:08
